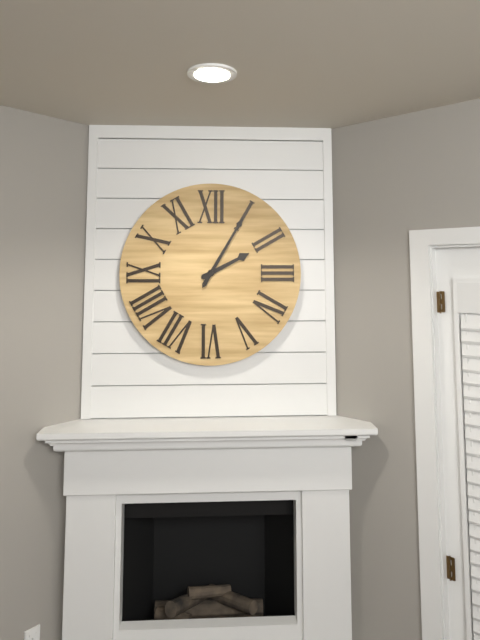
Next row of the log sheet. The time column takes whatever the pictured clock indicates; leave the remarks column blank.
2:05
